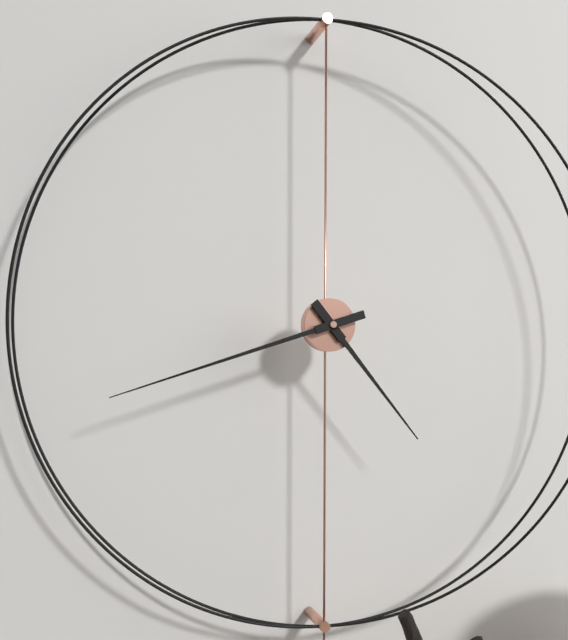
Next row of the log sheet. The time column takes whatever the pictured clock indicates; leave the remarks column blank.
4:42
